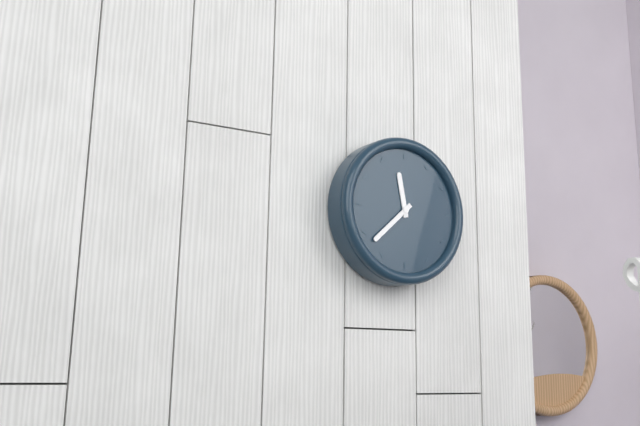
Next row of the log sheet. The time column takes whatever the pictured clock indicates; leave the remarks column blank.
11:38
